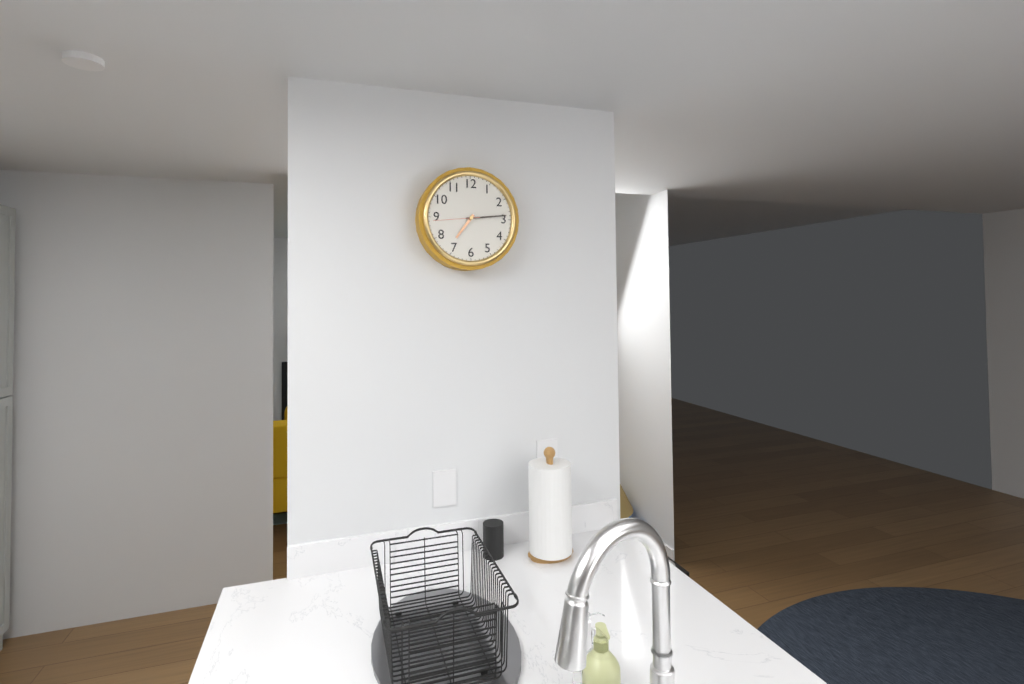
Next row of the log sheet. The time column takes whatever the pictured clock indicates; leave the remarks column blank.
7:14
